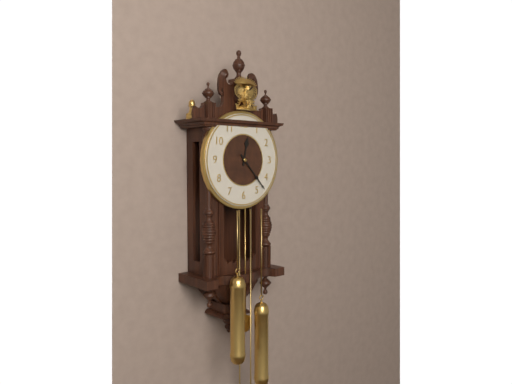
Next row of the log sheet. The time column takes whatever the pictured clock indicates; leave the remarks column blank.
12:23
